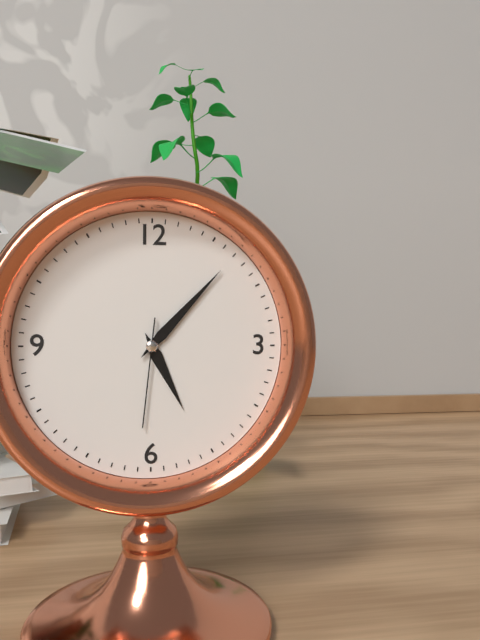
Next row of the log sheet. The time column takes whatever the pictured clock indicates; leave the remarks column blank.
5:07:31
